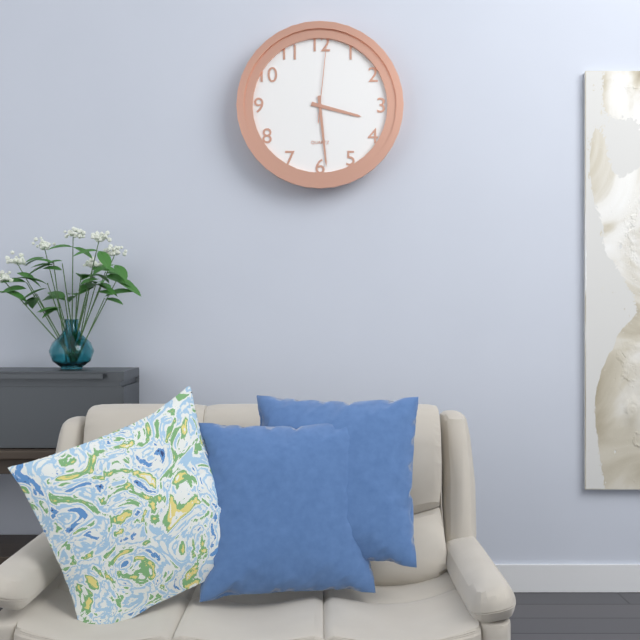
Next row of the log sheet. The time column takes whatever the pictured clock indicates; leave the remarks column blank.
3:29:01
